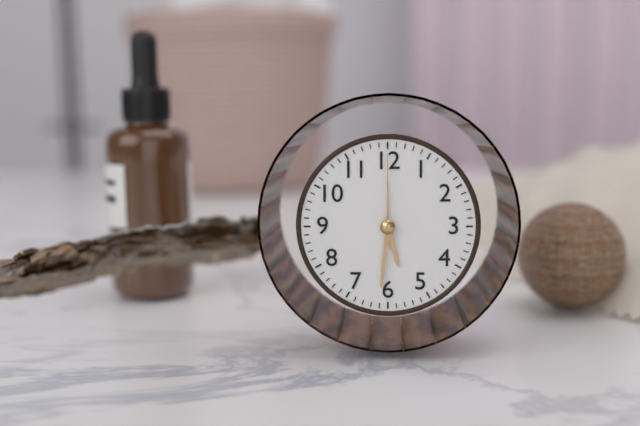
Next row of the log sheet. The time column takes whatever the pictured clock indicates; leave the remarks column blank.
5:31:00
